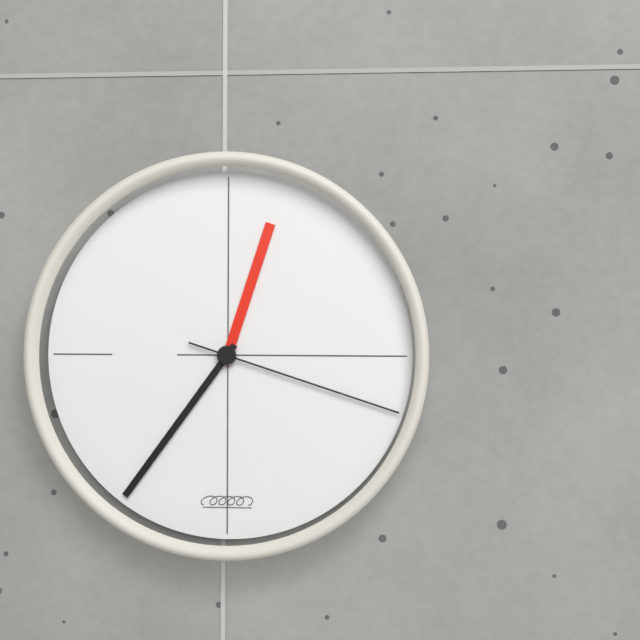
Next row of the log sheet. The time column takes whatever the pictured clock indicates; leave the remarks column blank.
12:36:18
